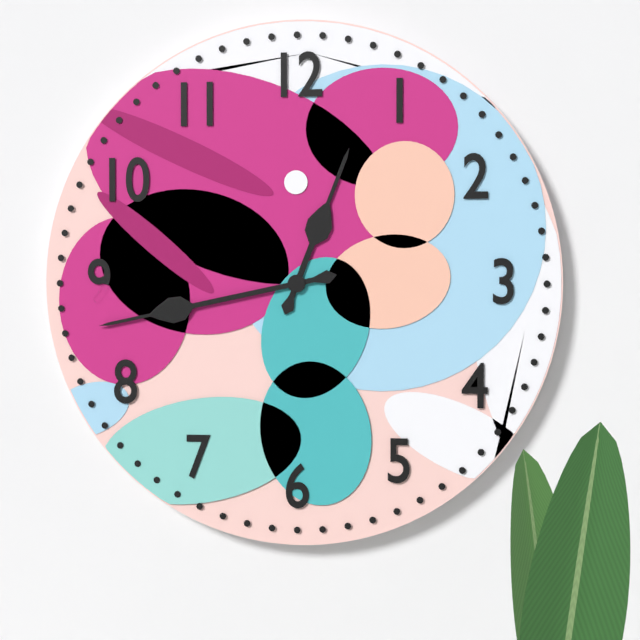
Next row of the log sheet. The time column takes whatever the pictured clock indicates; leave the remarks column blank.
12:43
